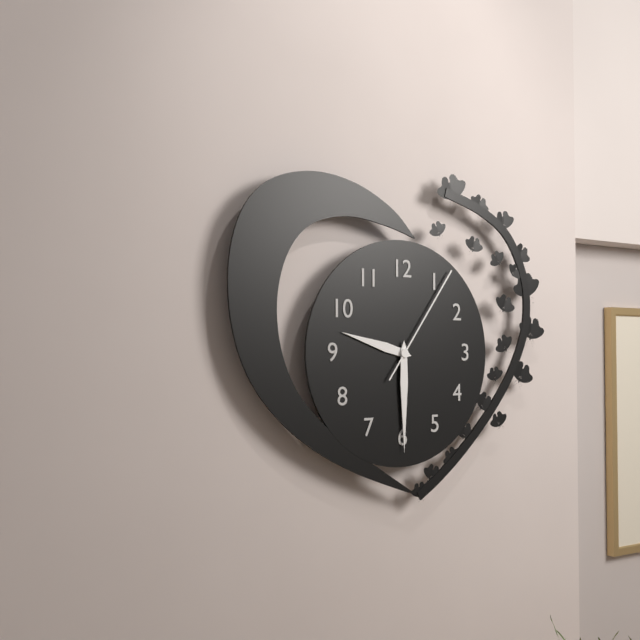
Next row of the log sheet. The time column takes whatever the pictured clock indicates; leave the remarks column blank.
9:30:06
